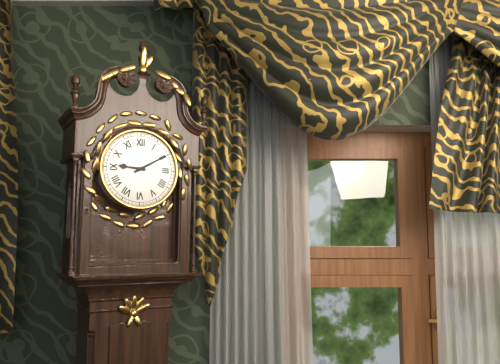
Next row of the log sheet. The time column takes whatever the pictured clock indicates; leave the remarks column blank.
9:10
